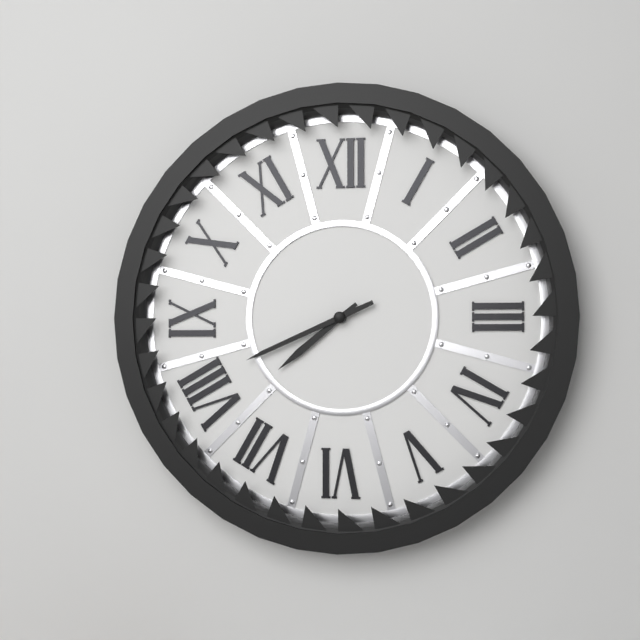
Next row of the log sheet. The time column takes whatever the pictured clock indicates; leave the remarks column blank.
7:41
